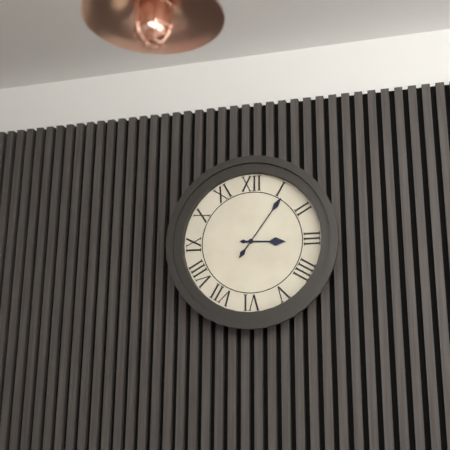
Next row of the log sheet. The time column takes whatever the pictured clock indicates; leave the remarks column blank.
3:06
